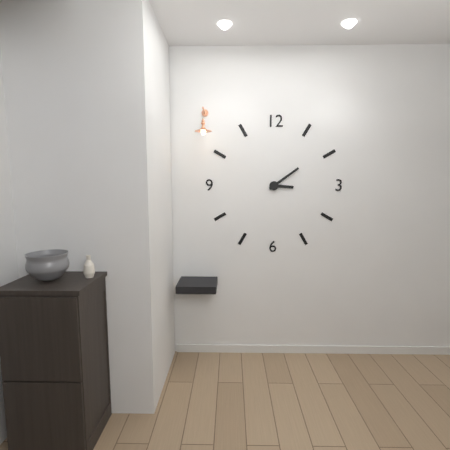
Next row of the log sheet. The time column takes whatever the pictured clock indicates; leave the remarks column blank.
3:09
